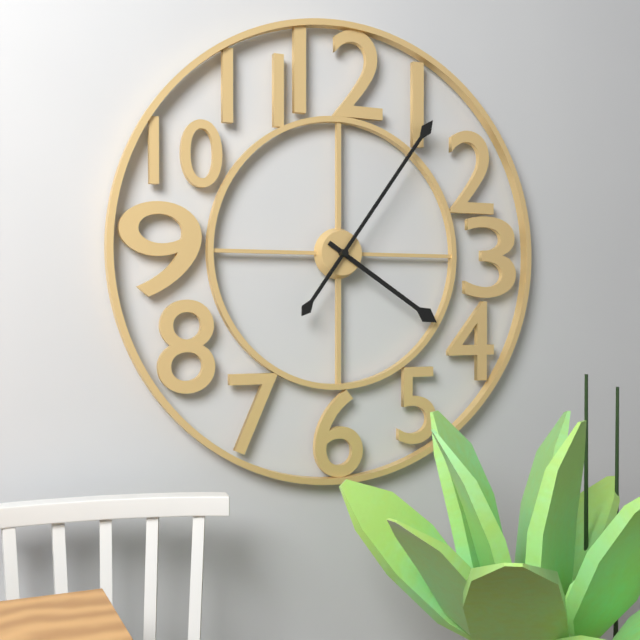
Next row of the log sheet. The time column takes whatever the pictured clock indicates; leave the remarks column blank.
4:06
